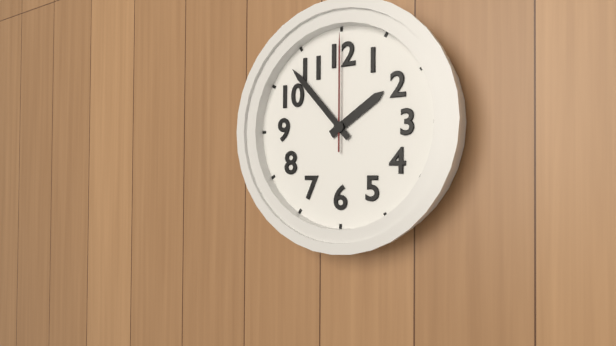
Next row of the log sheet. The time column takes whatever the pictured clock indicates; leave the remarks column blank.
1:53:00
